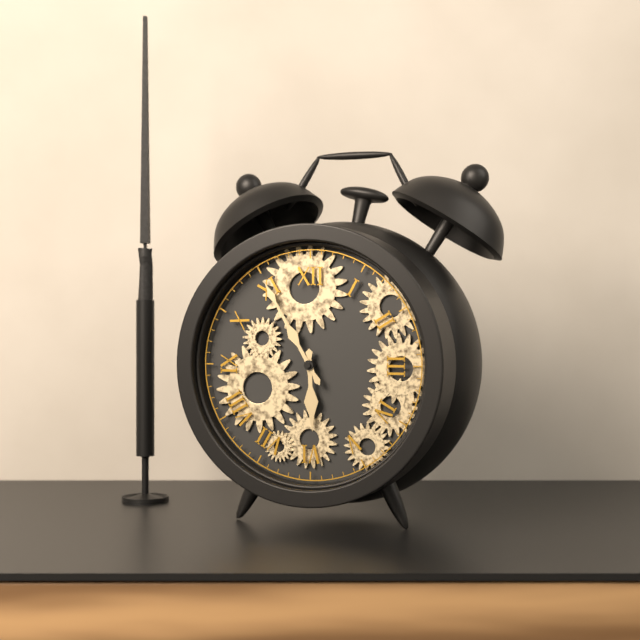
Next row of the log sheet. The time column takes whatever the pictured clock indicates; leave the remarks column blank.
5:55
